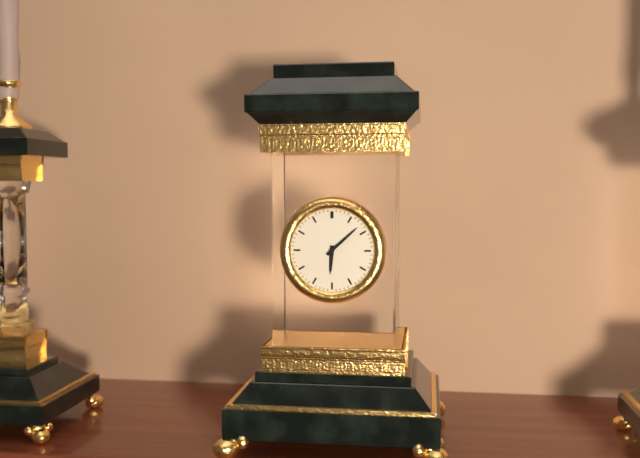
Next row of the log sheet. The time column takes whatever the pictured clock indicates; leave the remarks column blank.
6:08
